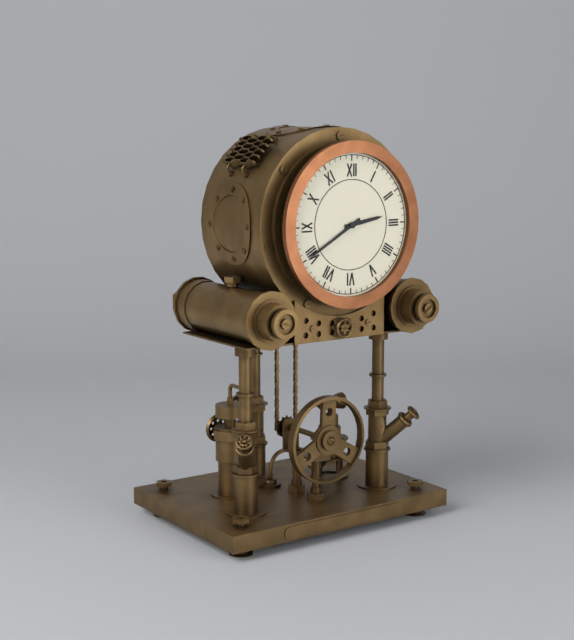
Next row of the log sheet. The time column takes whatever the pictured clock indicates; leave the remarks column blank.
2:40
